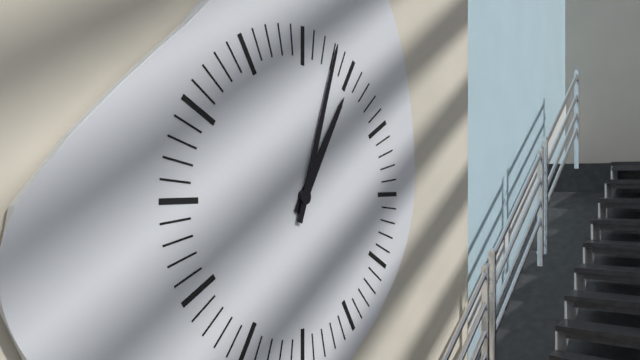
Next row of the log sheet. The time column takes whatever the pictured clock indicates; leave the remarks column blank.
1:03
